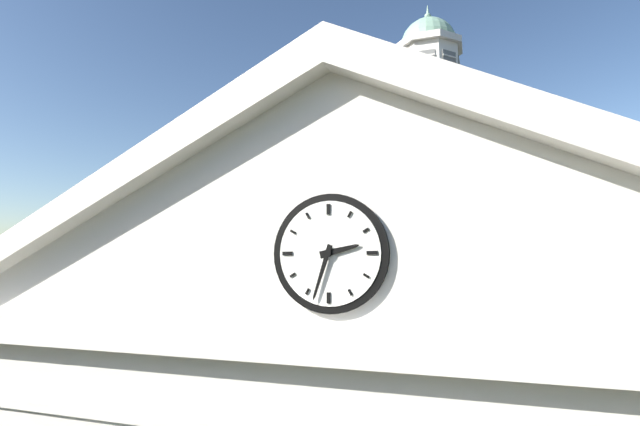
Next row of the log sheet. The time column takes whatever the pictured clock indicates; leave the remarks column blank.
2:33
